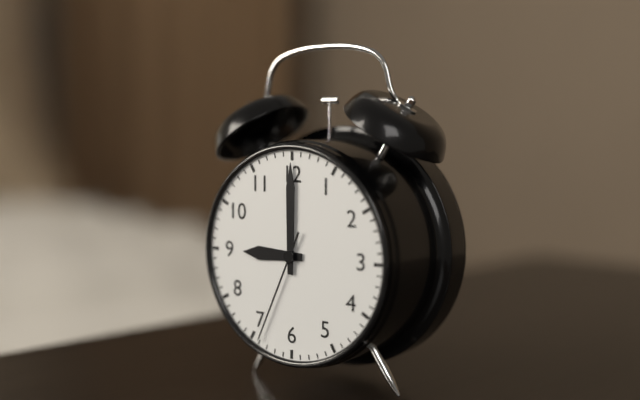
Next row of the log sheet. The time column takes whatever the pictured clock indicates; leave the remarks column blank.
9:00:34
